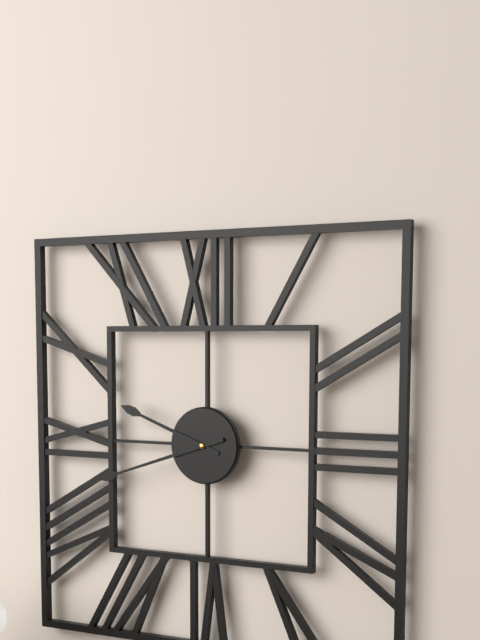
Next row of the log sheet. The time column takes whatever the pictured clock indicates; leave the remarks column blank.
9:42
